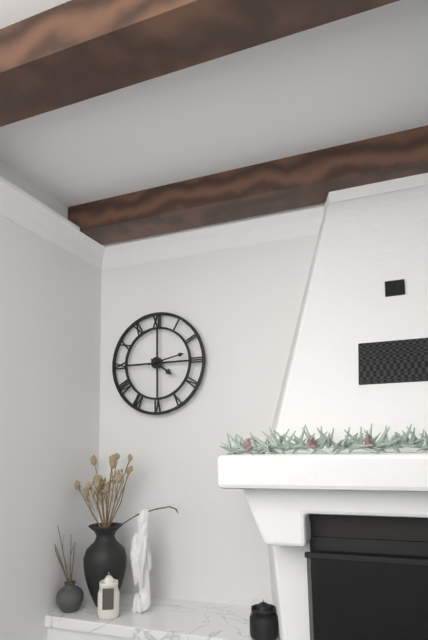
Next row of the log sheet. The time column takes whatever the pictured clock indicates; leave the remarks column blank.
4:13
